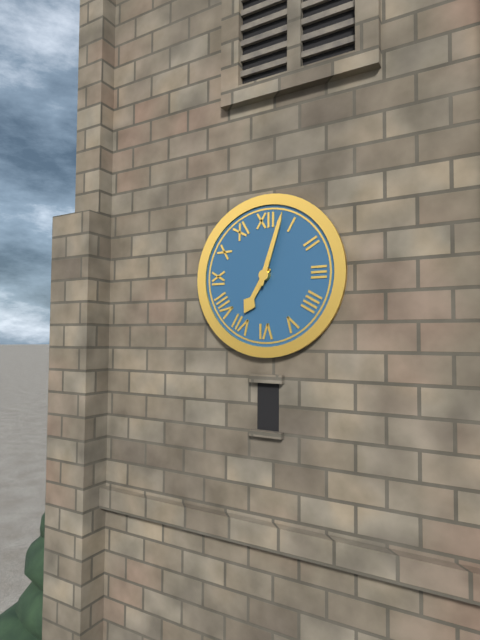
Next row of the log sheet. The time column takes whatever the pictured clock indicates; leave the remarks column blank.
7:03
